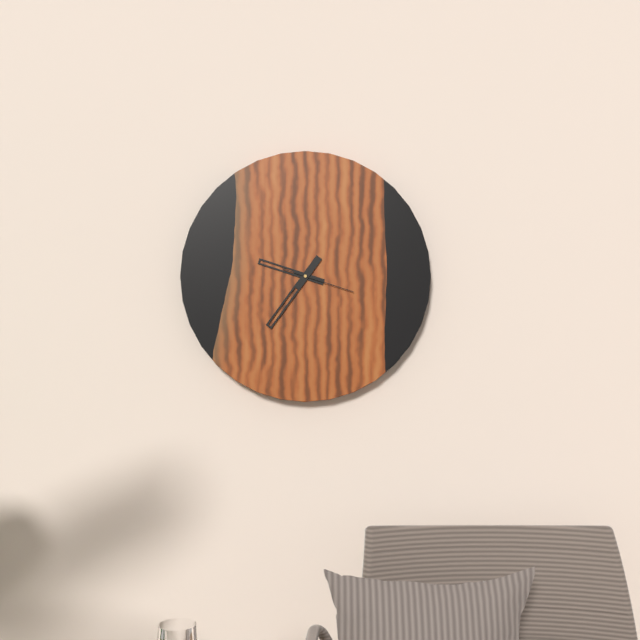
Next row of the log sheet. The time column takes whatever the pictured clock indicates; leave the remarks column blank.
9:36:18
